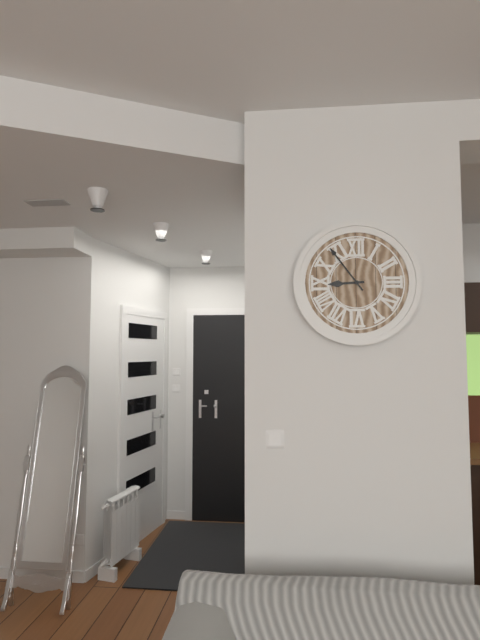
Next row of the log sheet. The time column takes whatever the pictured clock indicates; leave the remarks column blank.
8:54
